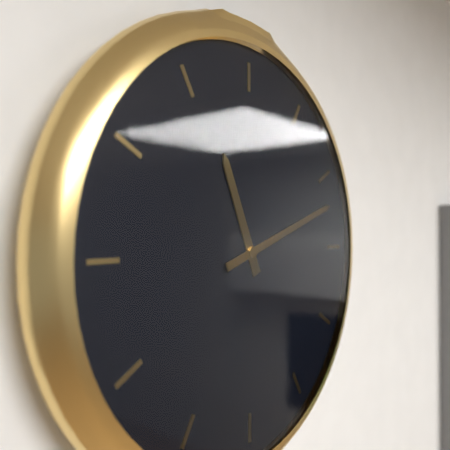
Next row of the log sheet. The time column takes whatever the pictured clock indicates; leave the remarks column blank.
11:12
